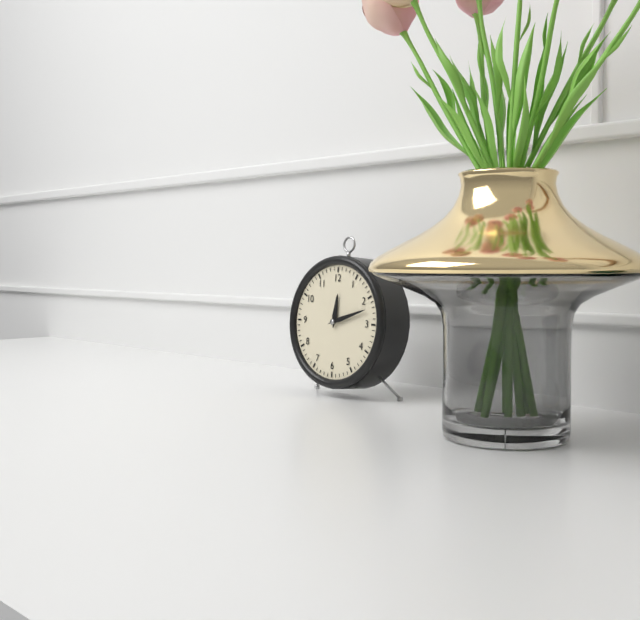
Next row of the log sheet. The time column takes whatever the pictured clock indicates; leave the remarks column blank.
12:12
